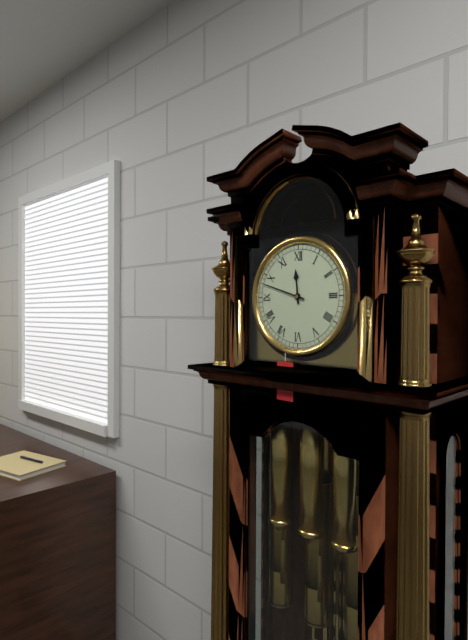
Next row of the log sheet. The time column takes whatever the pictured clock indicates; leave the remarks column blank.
11:48
